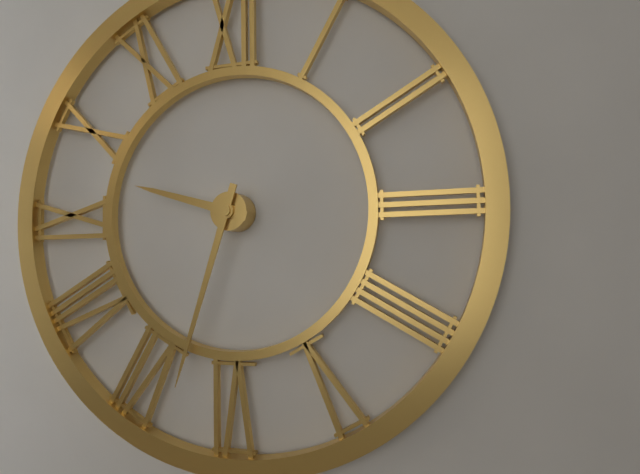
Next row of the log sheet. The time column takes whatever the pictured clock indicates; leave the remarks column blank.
9:33
